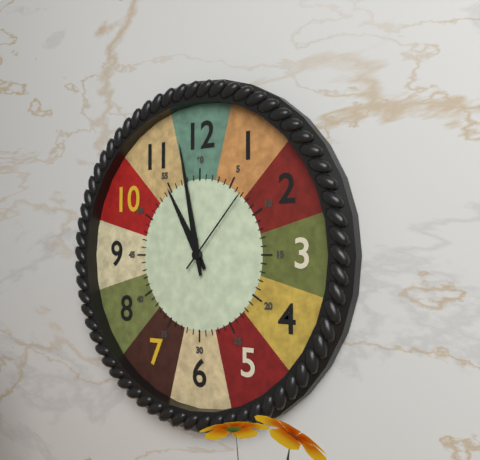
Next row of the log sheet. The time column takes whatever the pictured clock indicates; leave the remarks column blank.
10:58:07
